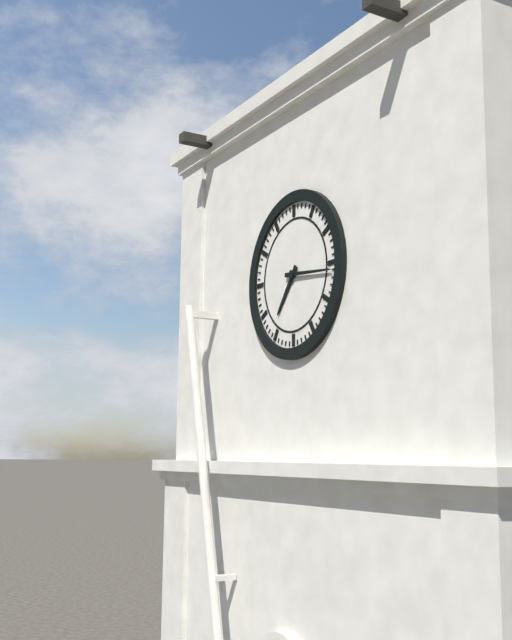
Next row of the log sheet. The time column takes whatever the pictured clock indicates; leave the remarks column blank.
7:16
